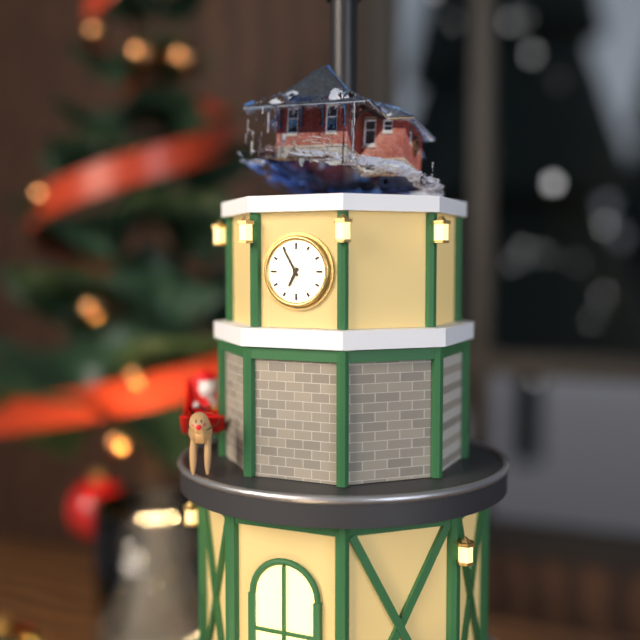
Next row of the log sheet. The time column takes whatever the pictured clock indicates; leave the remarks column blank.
6:55
